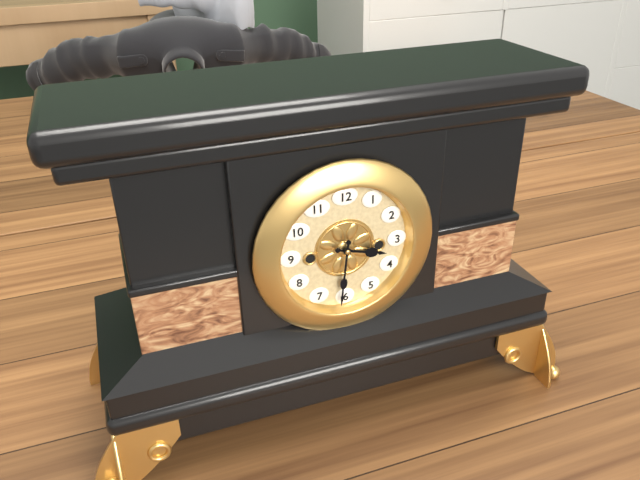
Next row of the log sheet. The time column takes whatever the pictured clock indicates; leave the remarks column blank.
3:31
